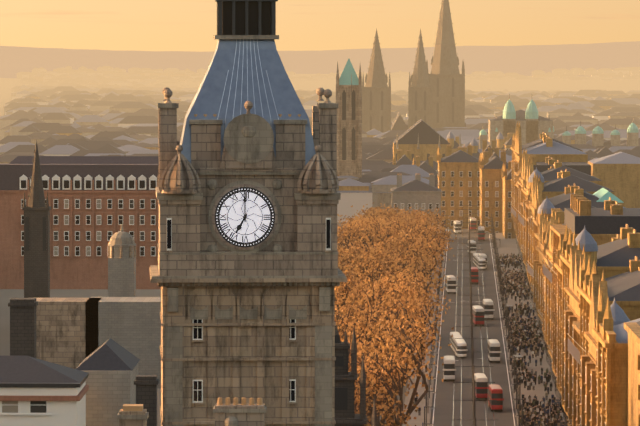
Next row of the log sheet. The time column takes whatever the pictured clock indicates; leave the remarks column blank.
7:00
